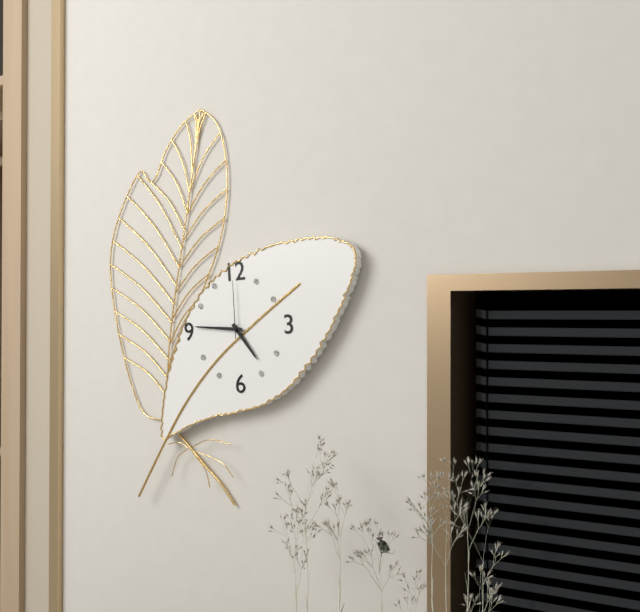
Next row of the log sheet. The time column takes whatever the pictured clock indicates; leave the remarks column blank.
4:46:00
